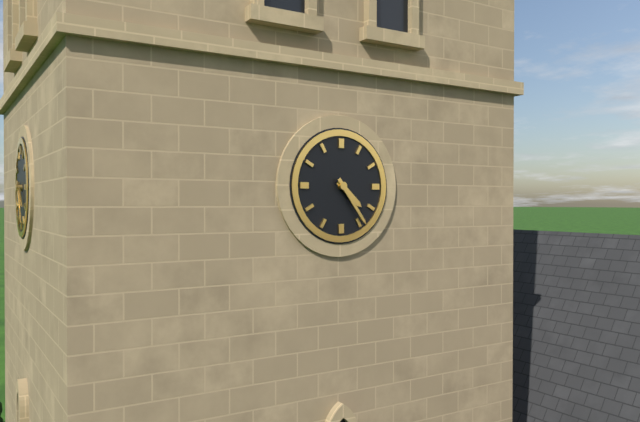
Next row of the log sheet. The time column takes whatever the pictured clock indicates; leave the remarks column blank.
4:24
